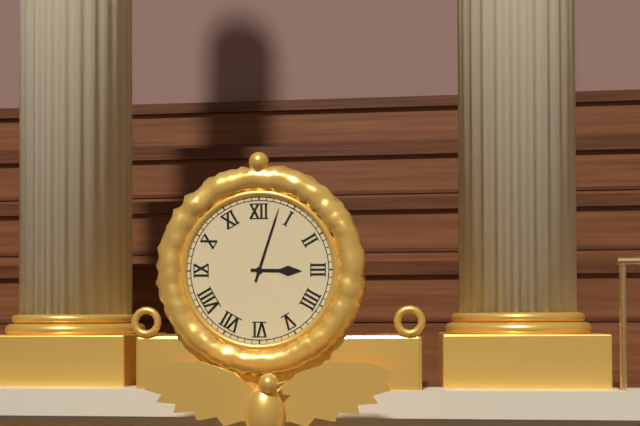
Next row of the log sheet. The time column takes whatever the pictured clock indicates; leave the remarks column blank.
3:03
